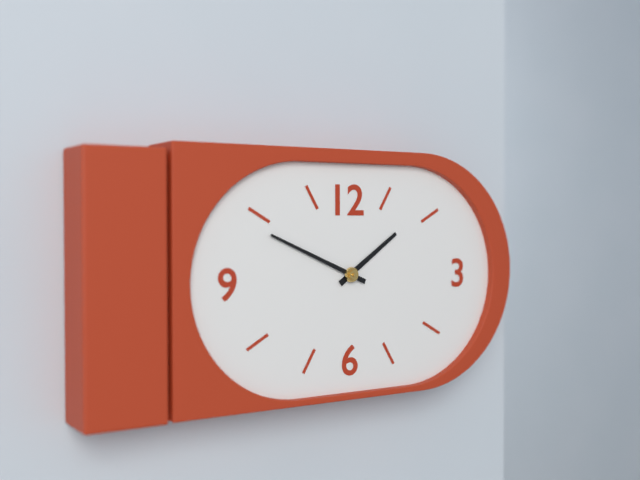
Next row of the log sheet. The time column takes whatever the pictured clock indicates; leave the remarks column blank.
1:49
